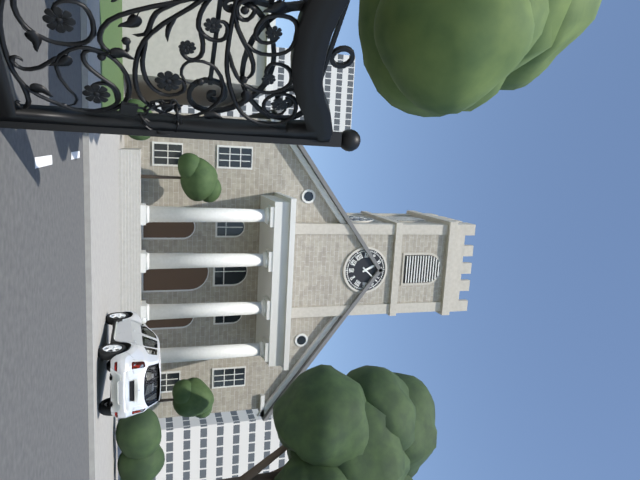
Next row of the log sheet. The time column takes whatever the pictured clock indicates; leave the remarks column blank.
11:07
